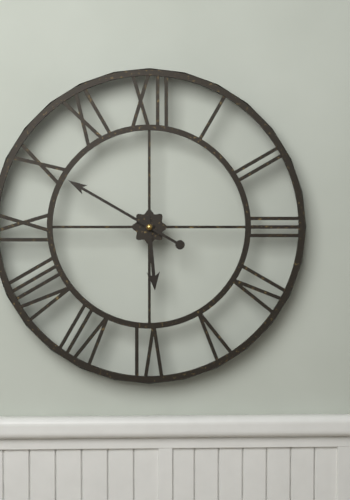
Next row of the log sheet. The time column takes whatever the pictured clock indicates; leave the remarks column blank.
5:50
